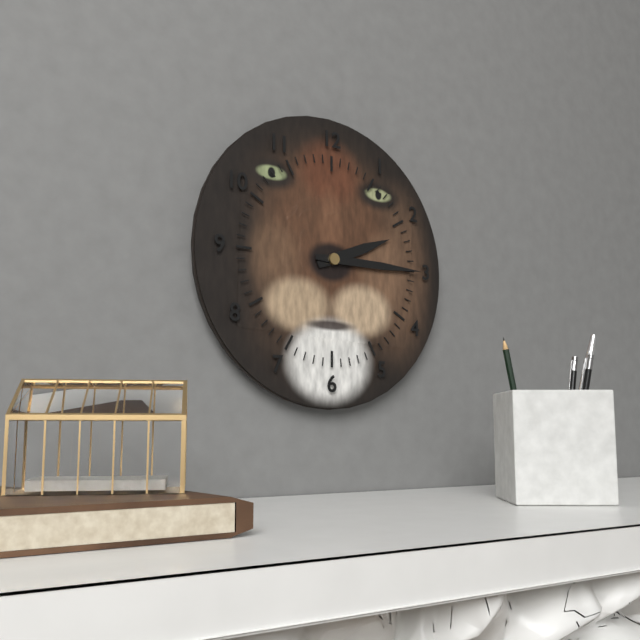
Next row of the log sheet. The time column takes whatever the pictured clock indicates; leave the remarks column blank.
2:15
